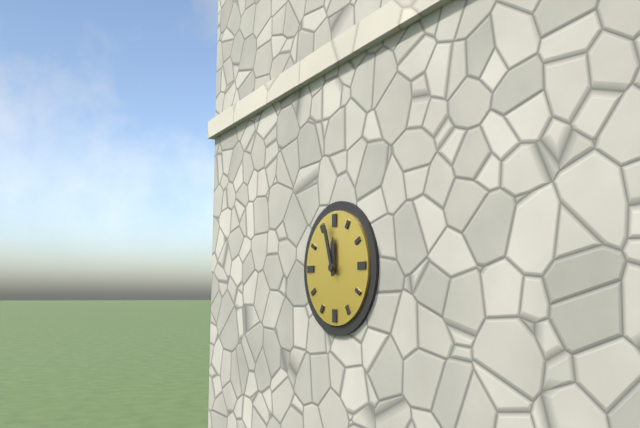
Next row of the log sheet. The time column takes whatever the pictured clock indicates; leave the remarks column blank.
11:57
